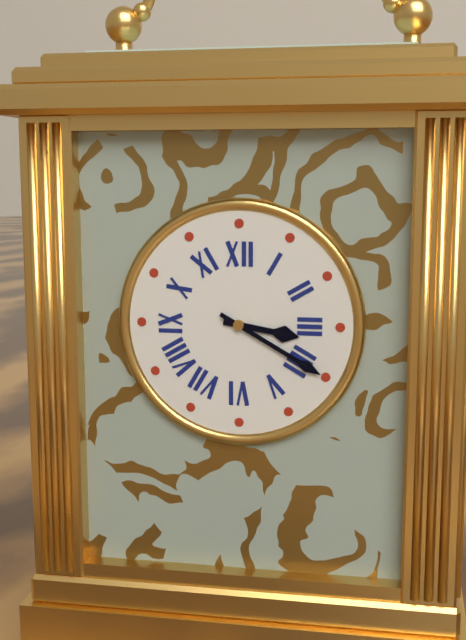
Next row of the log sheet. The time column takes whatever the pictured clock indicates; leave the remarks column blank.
3:20
